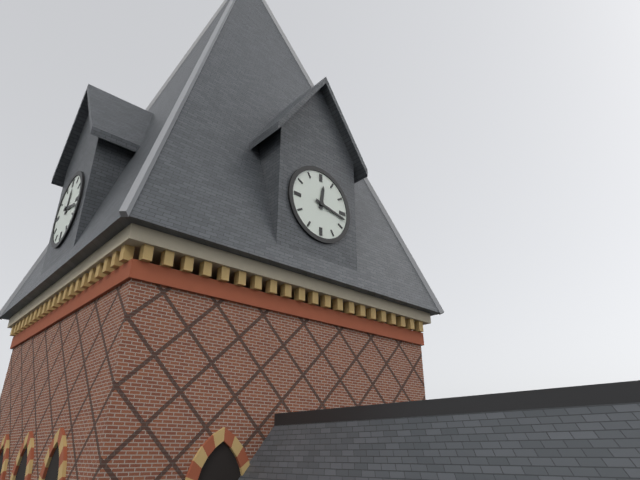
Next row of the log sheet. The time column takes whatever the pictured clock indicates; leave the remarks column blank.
12:17
